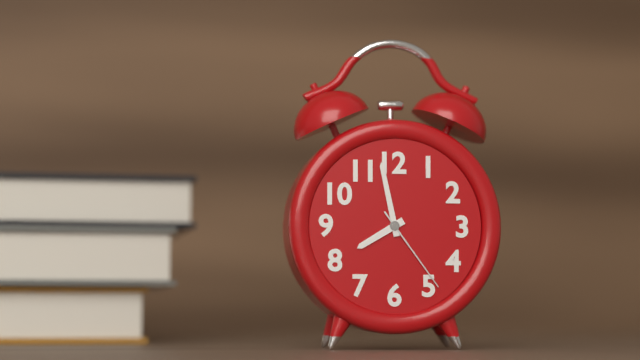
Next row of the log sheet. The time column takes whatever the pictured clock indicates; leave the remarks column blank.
7:58:24
